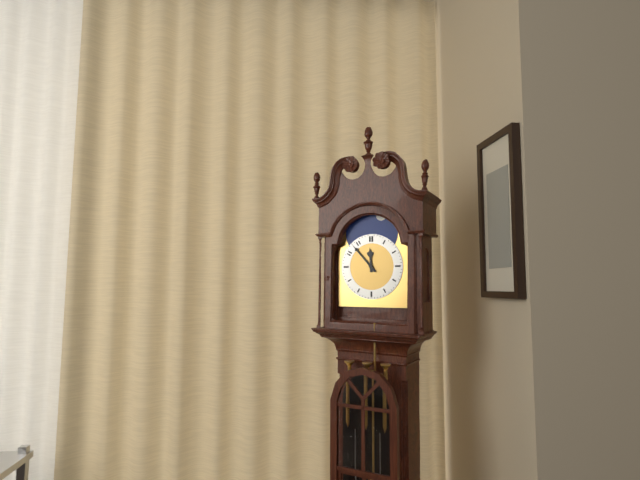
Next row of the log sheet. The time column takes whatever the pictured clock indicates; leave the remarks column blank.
11:53
